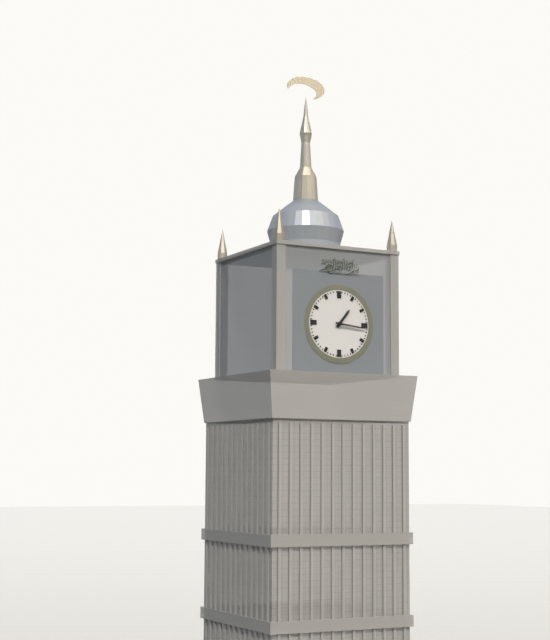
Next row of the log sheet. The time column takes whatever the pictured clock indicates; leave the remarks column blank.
1:16
